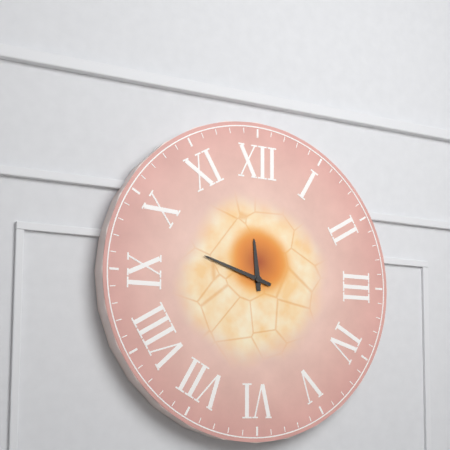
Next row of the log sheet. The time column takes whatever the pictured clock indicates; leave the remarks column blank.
11:48
